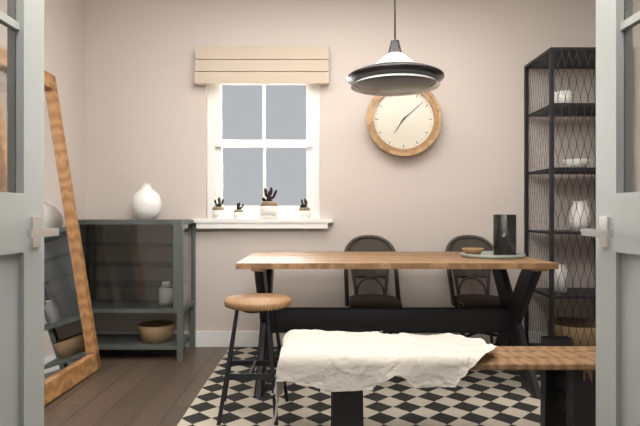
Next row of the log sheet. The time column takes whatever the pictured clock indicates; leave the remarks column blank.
7:08
